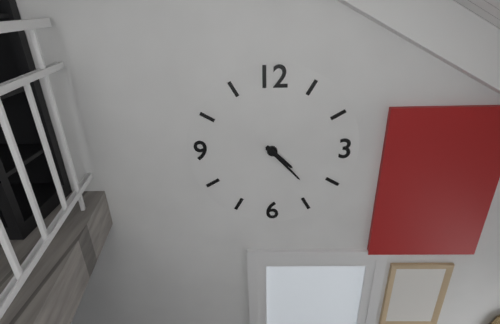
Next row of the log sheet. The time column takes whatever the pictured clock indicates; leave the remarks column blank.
4:23
